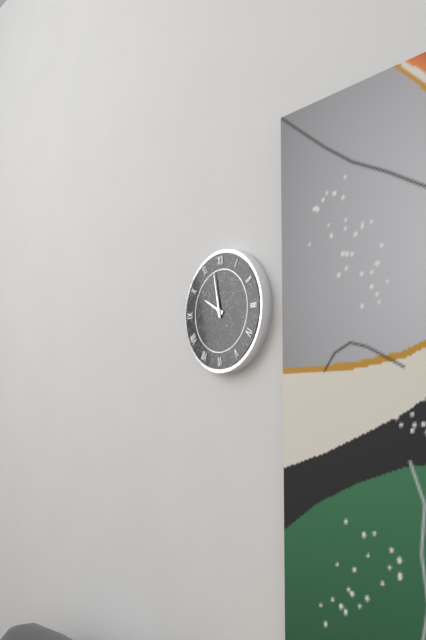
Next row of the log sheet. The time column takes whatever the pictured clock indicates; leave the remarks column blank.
9:58
